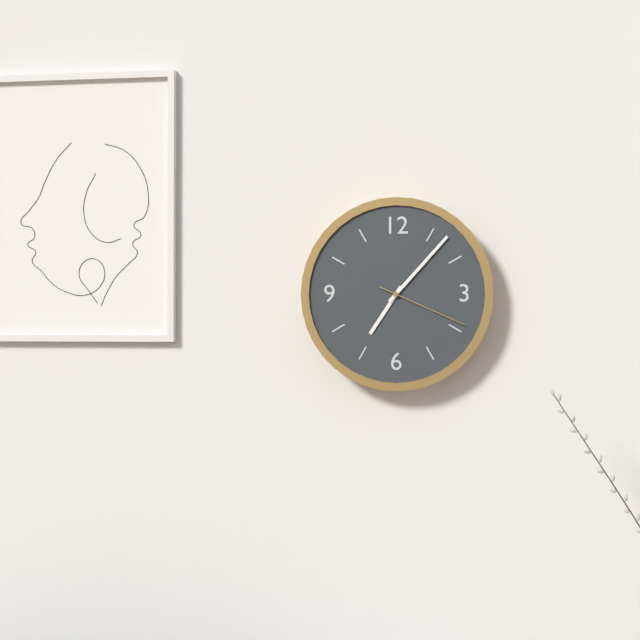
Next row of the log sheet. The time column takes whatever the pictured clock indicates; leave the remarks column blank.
7:07:19
